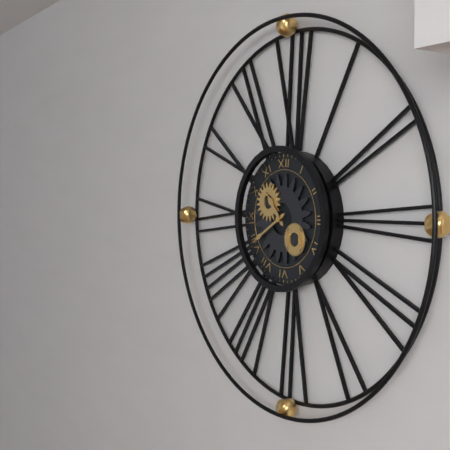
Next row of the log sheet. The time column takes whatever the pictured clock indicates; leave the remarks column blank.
10:40
